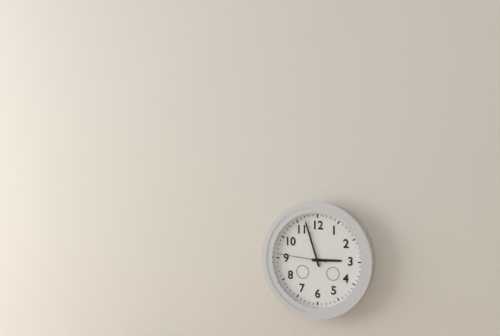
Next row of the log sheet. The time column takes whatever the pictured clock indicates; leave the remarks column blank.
2:57:46
